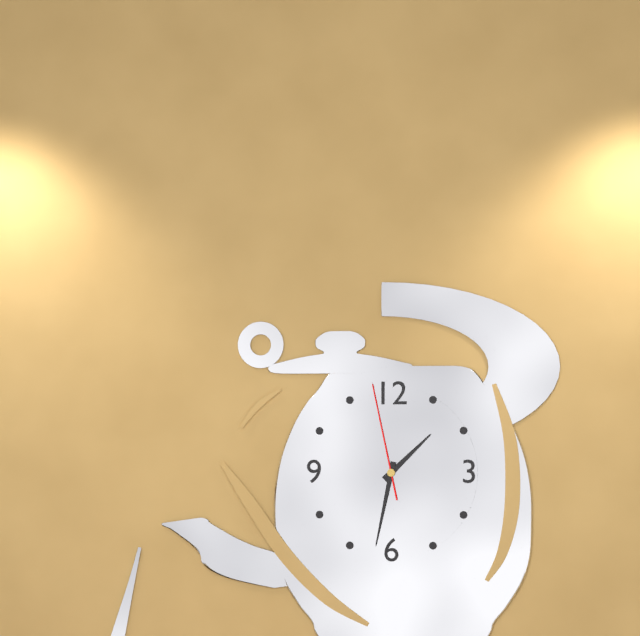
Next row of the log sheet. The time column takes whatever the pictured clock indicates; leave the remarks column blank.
1:32:58
